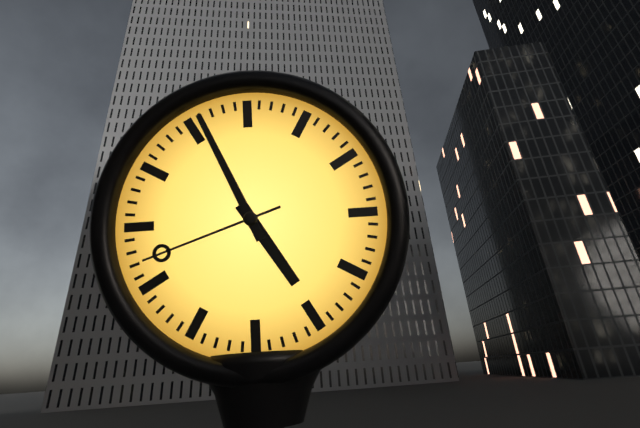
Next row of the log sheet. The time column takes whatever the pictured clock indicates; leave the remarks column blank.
4:56:42
